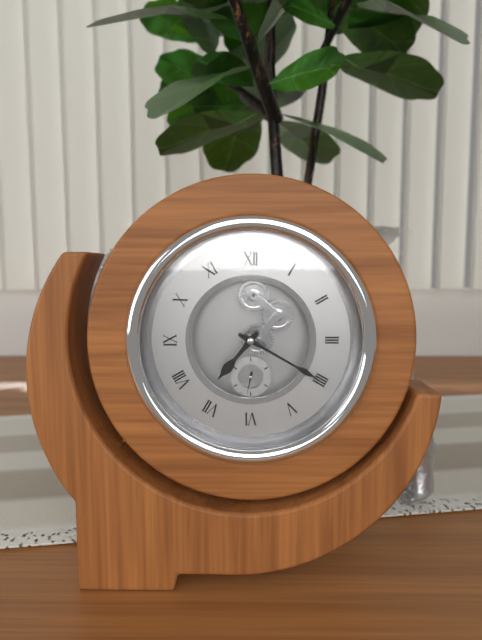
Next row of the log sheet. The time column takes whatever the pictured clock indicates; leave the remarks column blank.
7:20
